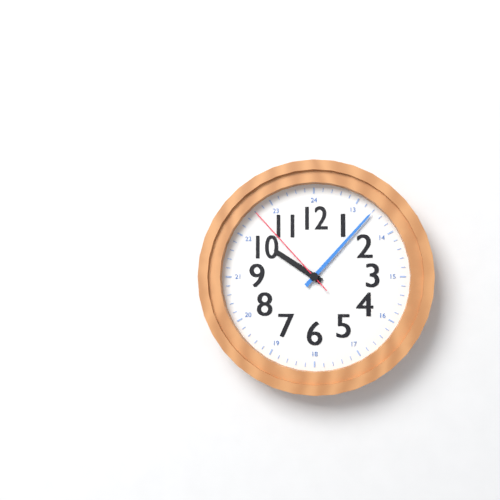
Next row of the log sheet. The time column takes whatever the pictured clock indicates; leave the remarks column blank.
10:07:53
